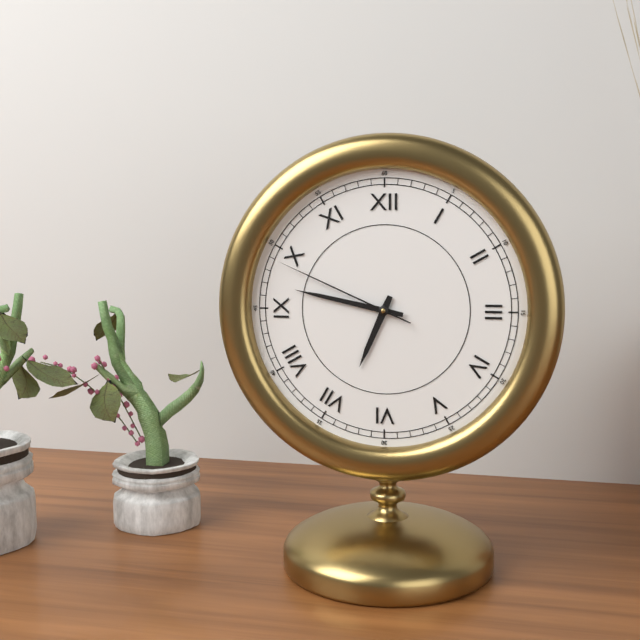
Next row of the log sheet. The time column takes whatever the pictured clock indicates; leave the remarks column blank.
6:47:49
